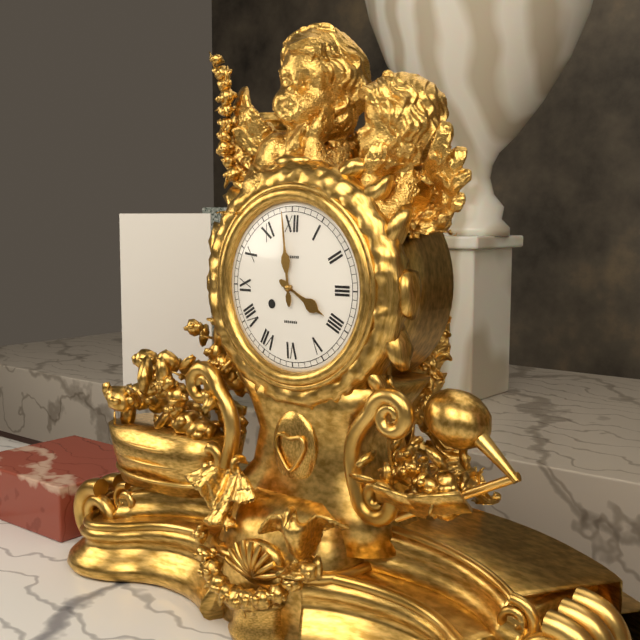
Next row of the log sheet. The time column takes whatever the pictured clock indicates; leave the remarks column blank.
3:59
